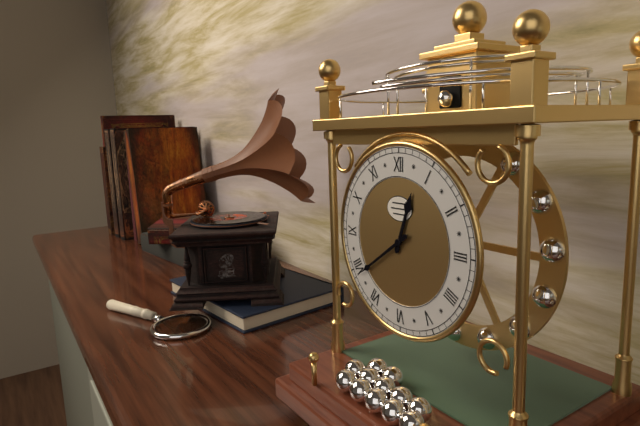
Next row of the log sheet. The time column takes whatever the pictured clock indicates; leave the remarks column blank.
12:39
